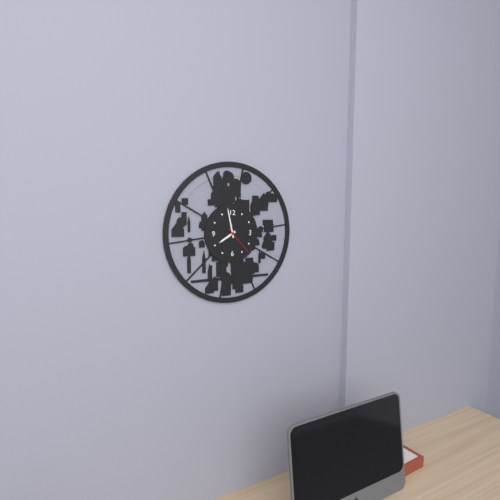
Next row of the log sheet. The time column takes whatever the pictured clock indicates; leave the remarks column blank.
7:58
